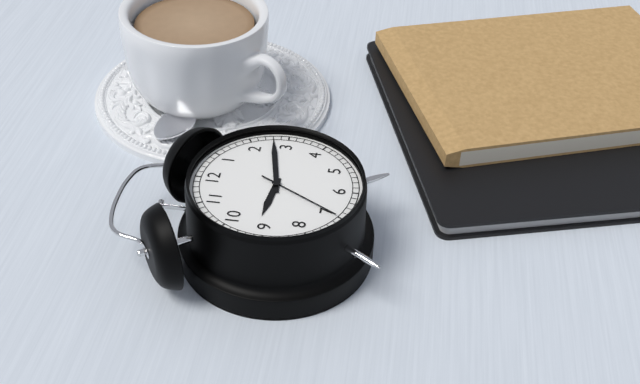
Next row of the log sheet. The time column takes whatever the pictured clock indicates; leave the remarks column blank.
9:13:35
